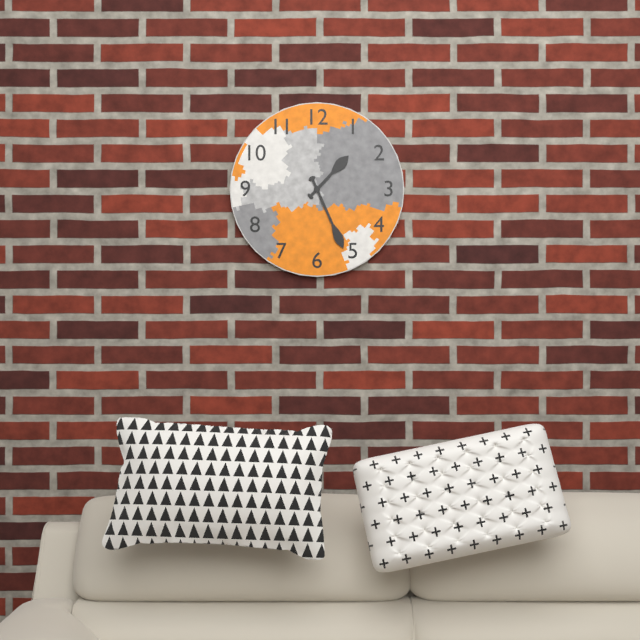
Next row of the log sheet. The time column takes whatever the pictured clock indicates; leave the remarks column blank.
1:26
